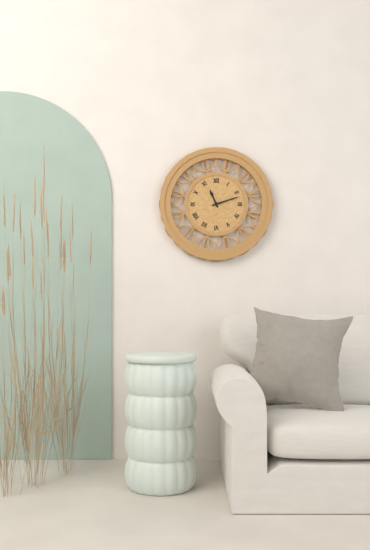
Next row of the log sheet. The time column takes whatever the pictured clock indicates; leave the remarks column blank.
11:12
